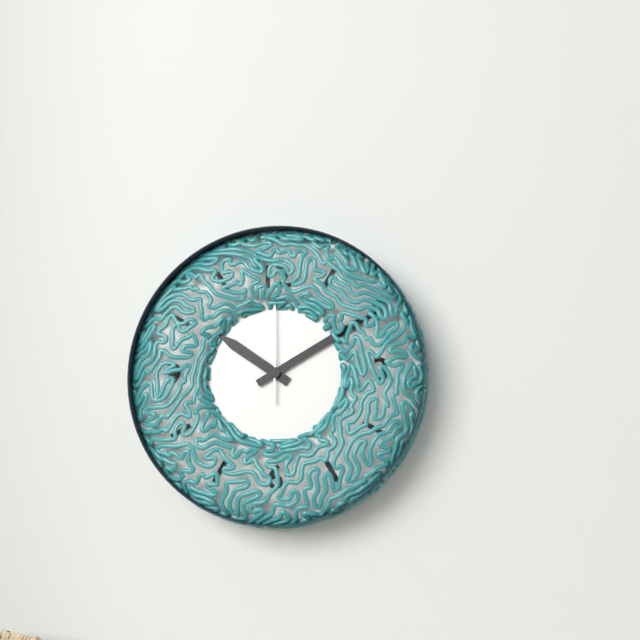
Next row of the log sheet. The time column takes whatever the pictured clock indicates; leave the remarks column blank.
10:10:00
